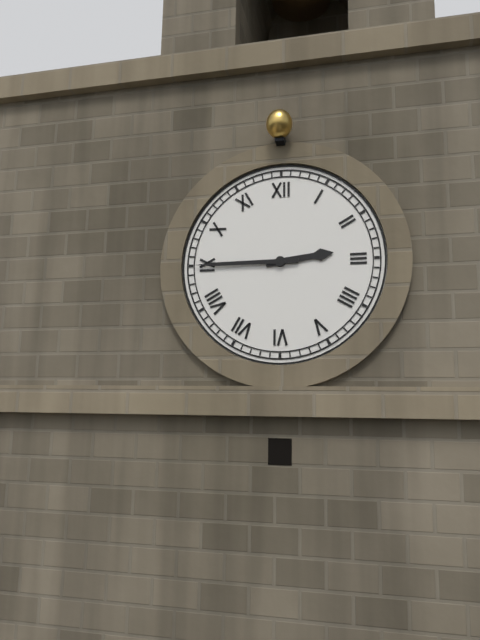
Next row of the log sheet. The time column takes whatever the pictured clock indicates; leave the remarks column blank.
2:45
